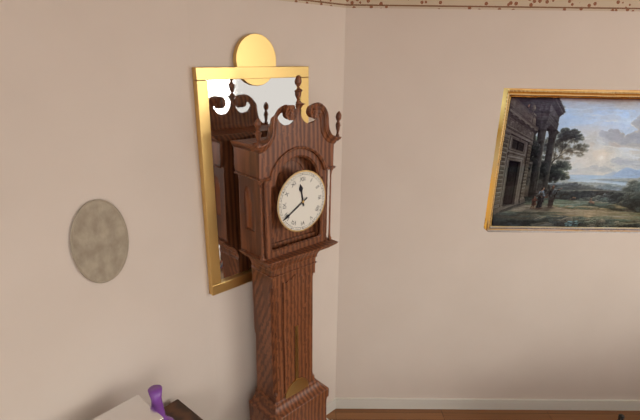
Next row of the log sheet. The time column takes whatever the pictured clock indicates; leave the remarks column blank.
11:40
